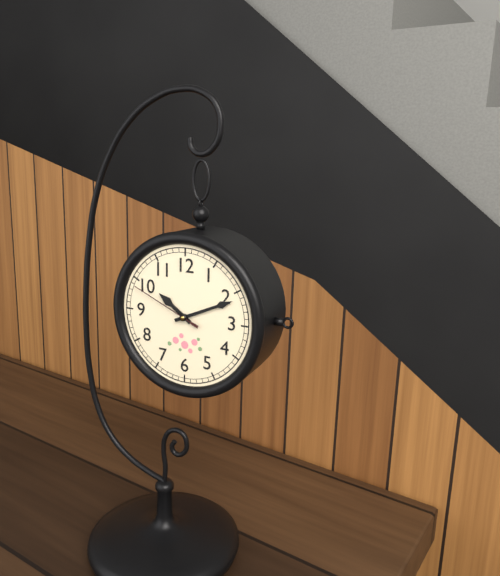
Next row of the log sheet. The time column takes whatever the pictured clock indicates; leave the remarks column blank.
10:11:49
